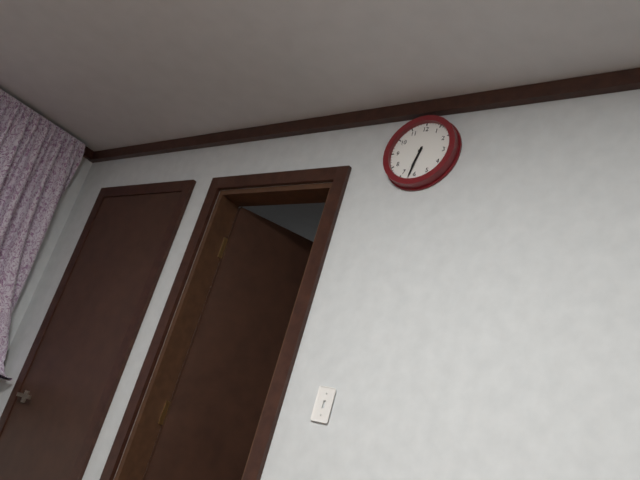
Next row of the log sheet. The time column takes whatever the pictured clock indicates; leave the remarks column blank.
6:32
